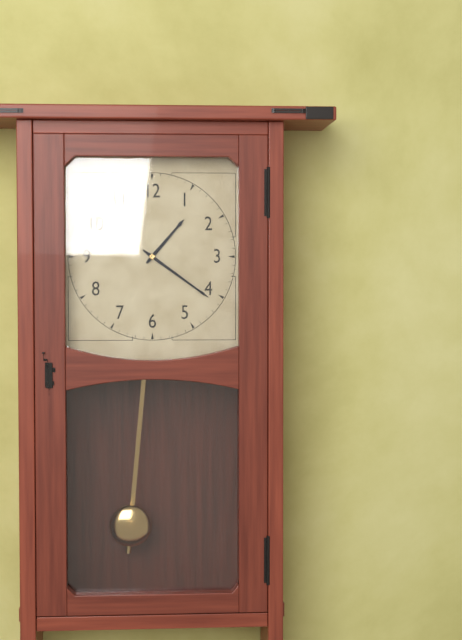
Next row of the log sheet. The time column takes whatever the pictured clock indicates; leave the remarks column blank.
1:21
